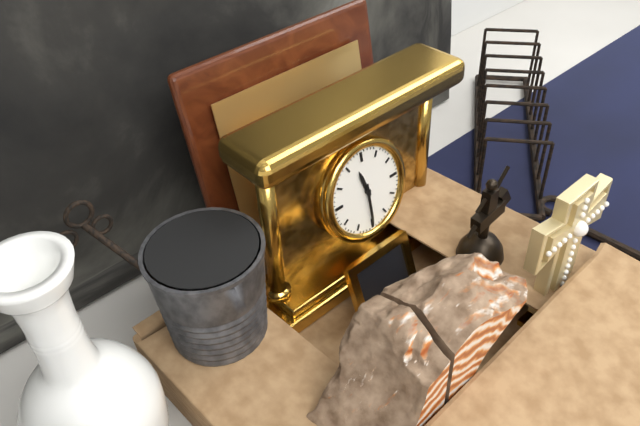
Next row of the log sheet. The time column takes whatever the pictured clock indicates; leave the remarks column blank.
11:30
